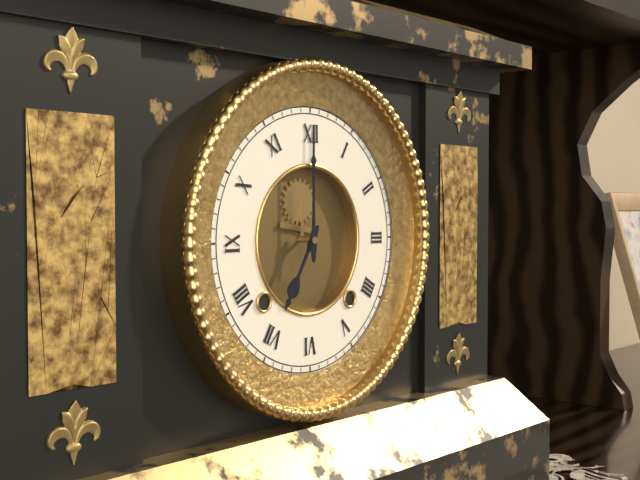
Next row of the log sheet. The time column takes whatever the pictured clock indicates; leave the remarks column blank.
7:00
